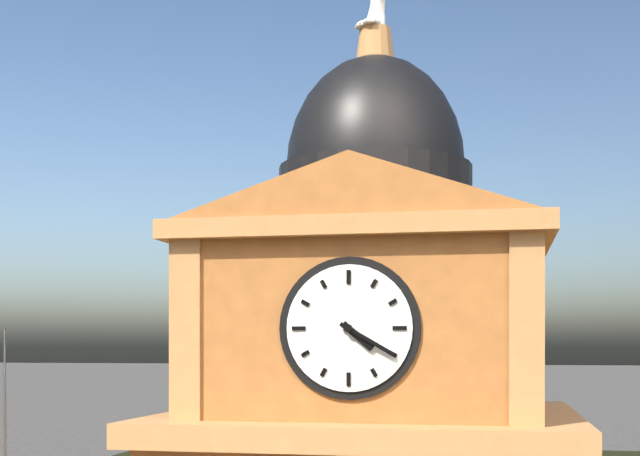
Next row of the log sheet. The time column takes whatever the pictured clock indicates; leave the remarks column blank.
4:20
